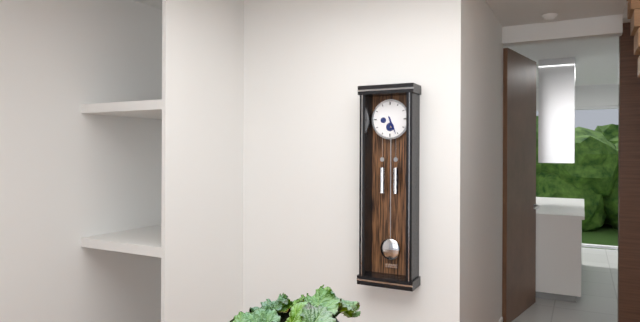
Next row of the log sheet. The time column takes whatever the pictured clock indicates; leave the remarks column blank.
5:26
